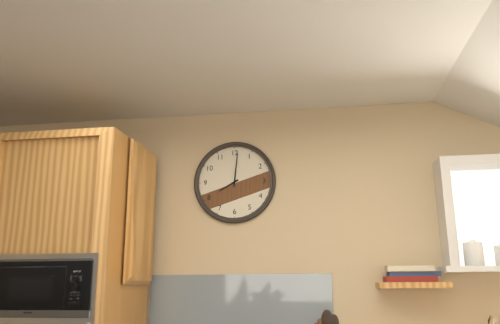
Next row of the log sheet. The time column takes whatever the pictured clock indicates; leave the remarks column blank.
8:01
